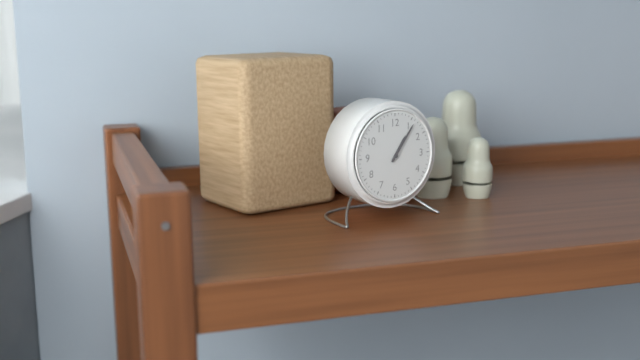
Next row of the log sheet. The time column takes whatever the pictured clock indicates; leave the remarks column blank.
1:06
